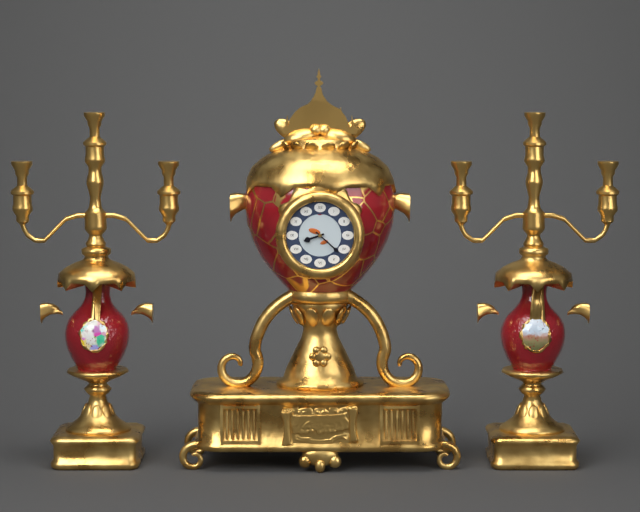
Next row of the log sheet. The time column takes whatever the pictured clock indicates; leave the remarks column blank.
8:22
